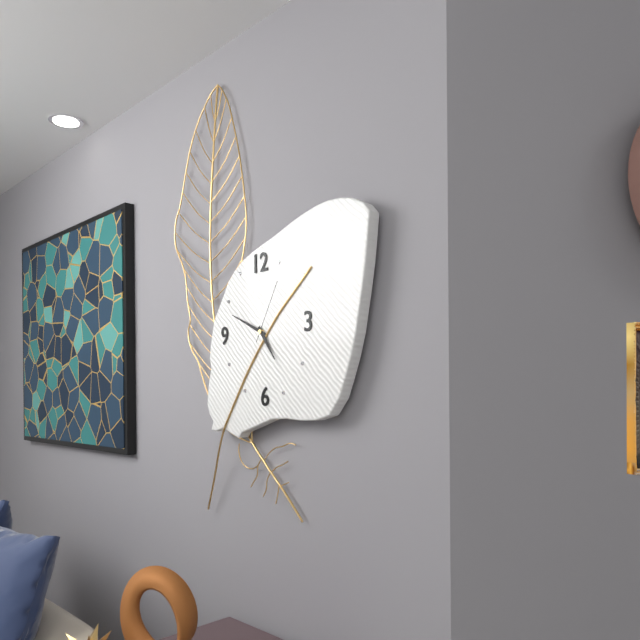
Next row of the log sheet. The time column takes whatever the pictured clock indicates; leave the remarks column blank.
4:49:05
